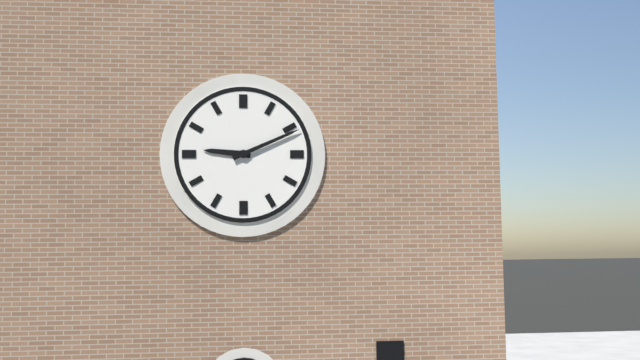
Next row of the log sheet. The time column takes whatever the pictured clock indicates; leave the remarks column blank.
9:11
